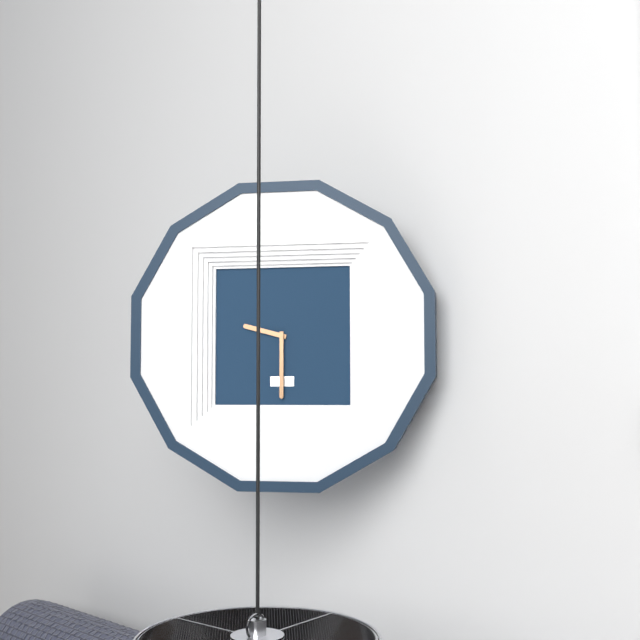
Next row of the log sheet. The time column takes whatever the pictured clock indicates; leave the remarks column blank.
9:30
